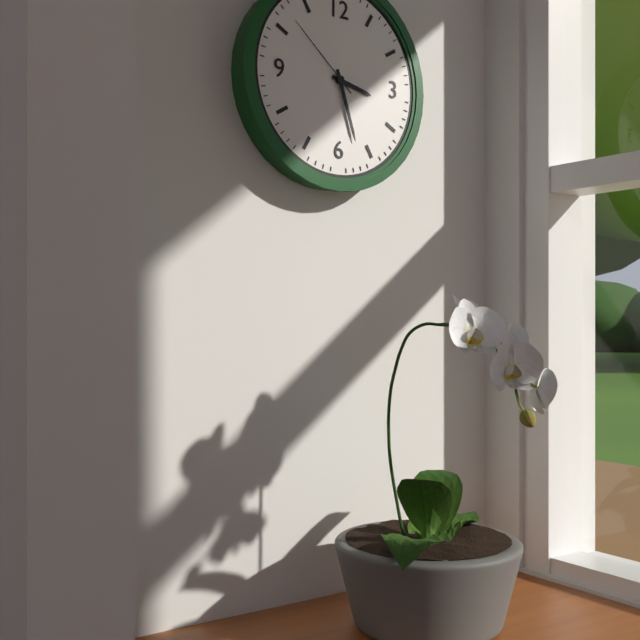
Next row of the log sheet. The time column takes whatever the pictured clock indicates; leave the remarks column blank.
3:27:52
